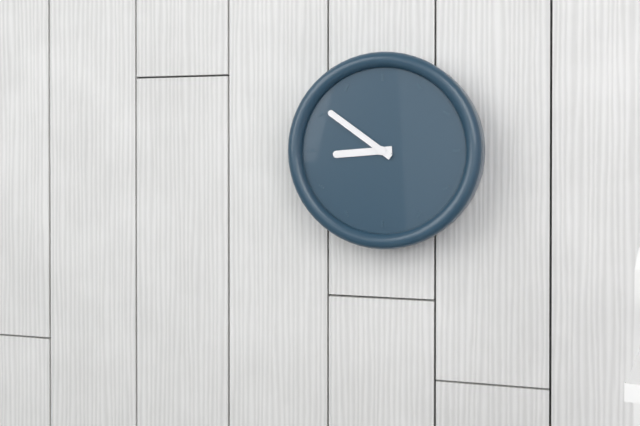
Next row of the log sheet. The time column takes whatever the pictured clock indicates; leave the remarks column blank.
8:51
